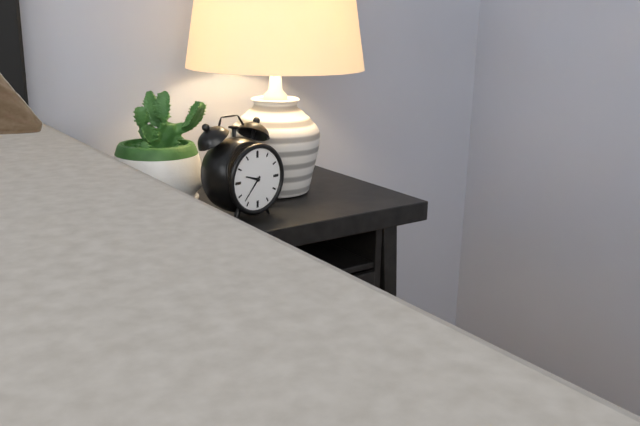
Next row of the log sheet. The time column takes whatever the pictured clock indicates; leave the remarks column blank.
9:37
